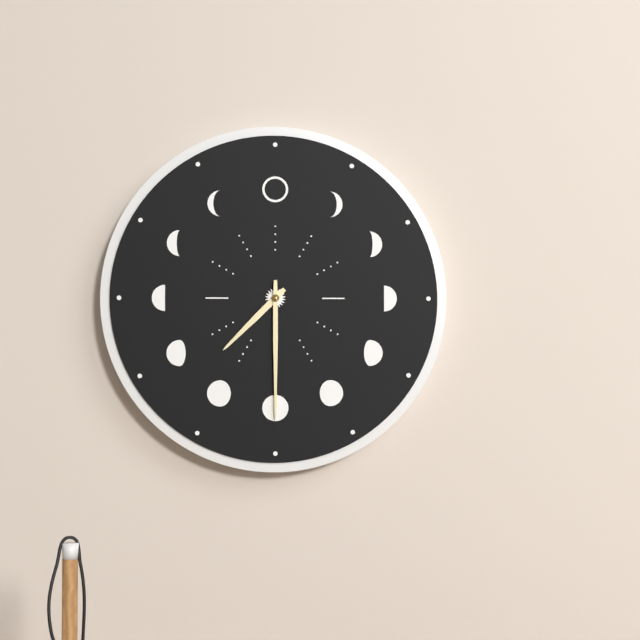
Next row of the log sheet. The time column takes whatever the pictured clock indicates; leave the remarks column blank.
7:30
